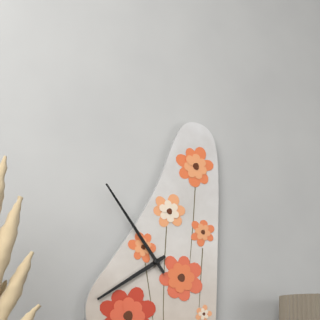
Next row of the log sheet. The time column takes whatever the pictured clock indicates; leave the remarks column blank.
7:54
